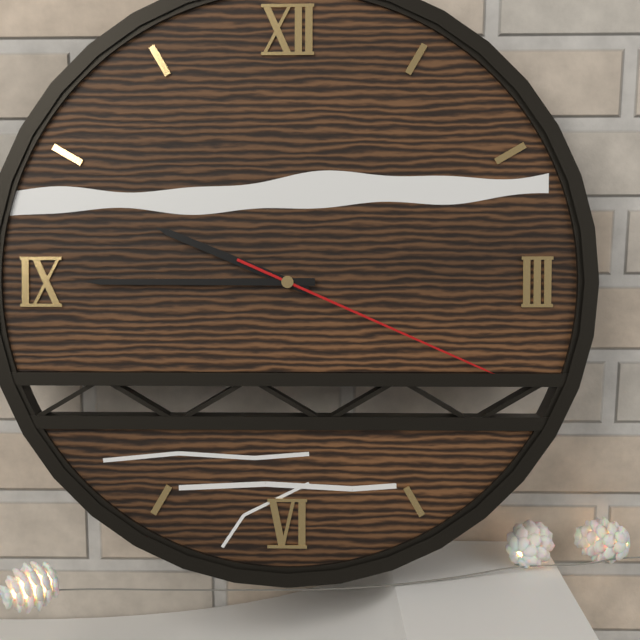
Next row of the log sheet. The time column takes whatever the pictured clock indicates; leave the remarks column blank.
9:45:19
